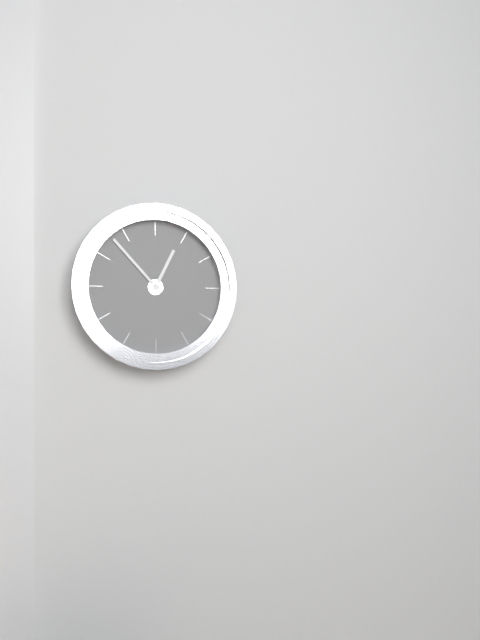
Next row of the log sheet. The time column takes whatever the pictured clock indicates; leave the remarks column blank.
12:53
